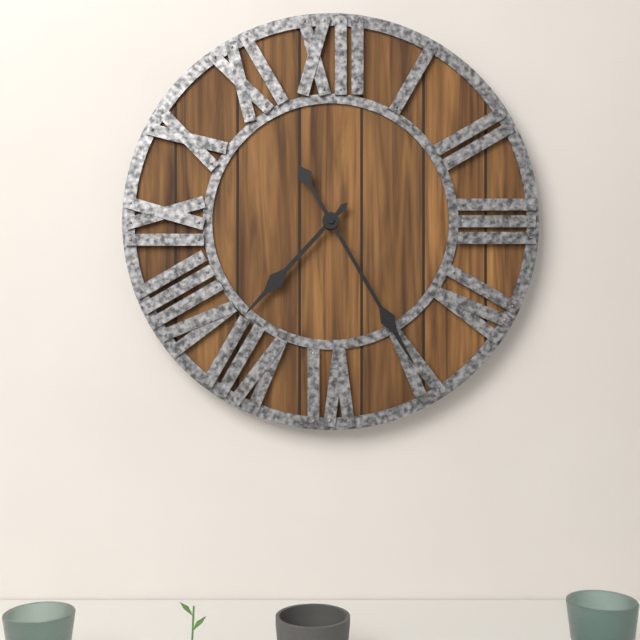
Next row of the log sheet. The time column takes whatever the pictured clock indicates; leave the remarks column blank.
7:25
